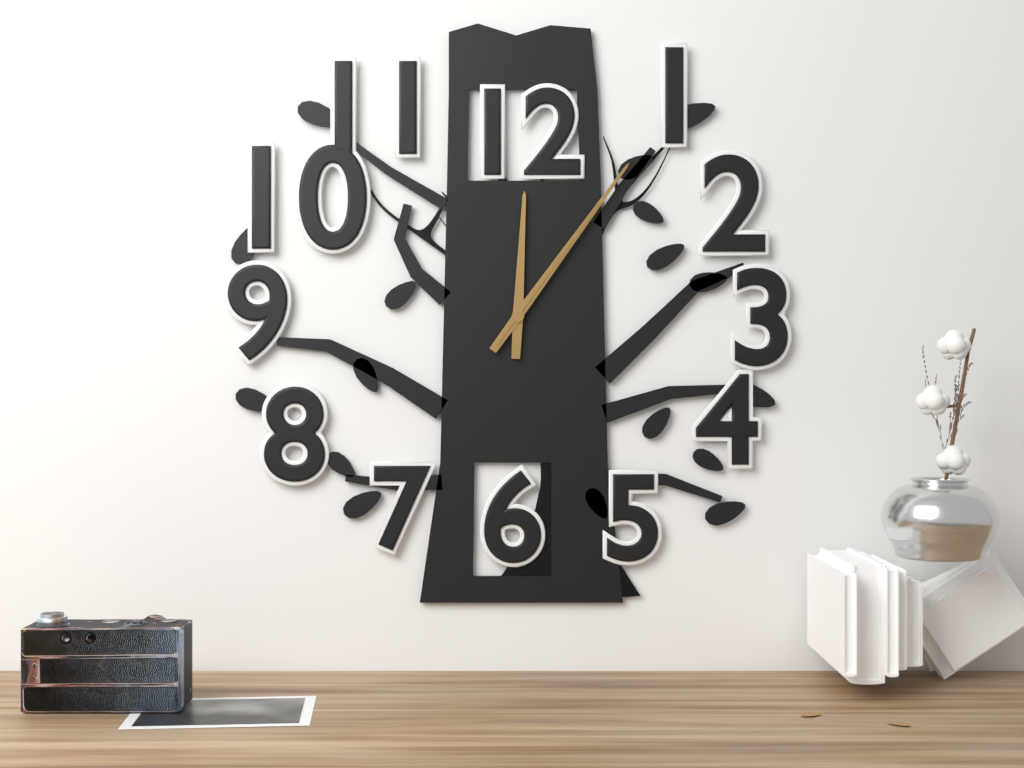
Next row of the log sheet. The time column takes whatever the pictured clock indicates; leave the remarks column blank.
12:06:06
